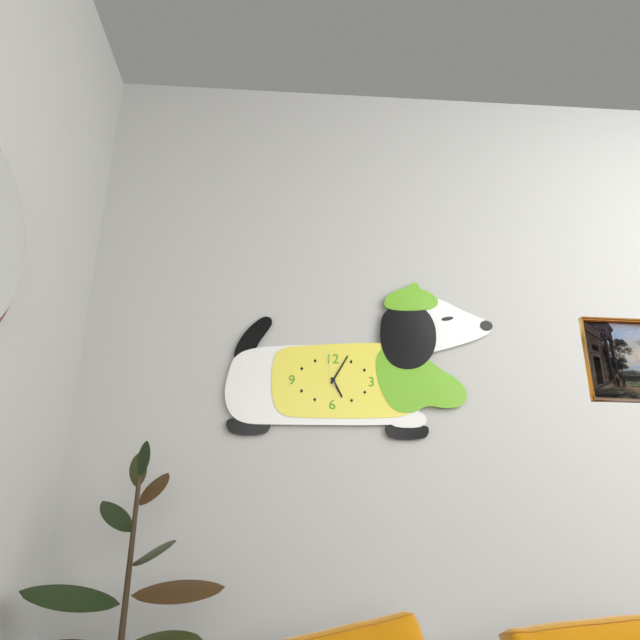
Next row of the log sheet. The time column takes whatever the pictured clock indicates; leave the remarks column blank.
5:05
